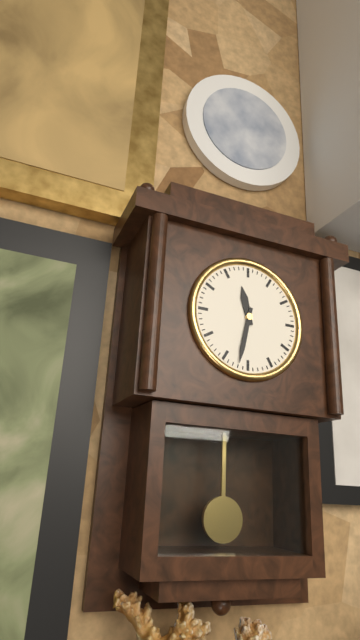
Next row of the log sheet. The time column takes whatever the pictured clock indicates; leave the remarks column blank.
11:32
